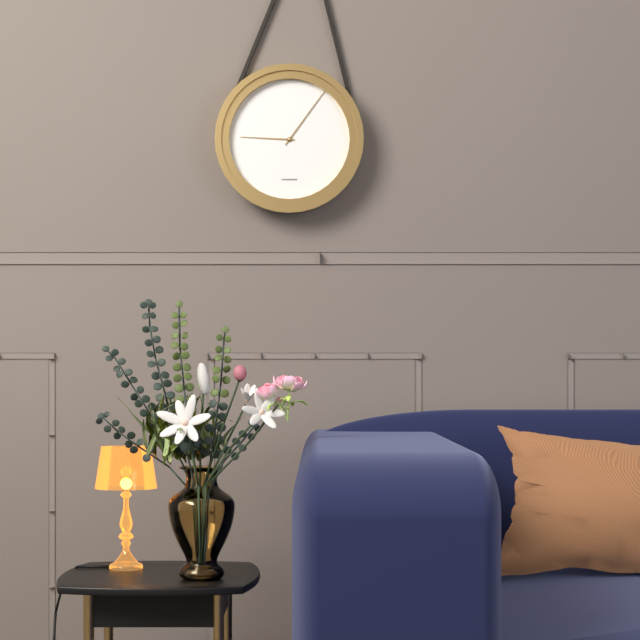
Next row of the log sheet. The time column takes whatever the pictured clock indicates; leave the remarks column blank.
9:06
